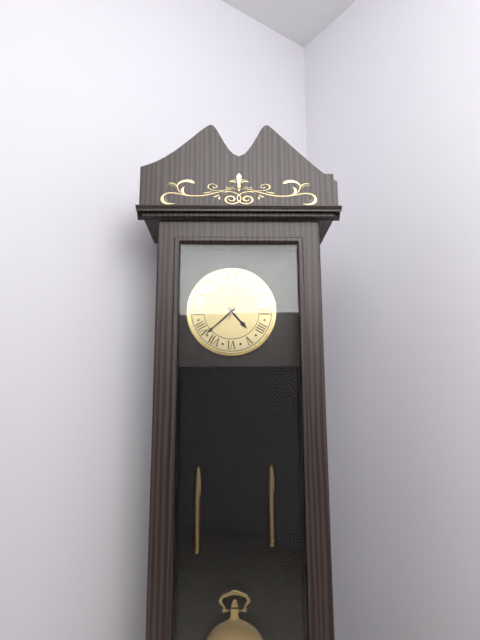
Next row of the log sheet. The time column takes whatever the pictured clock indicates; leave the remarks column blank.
4:38
